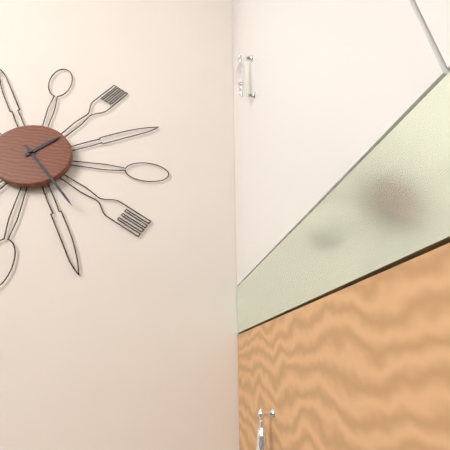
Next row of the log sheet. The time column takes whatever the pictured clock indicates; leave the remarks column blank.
1:23
